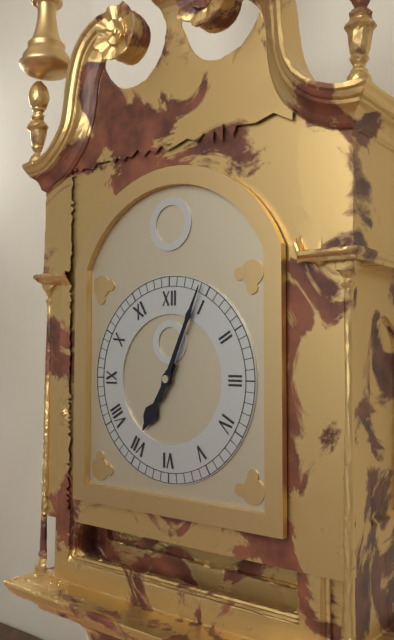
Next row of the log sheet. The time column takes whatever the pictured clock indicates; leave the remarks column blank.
7:04
